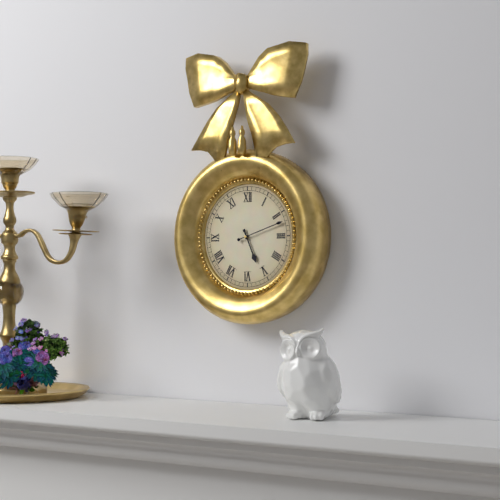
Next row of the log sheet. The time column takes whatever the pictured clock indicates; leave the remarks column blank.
5:12
